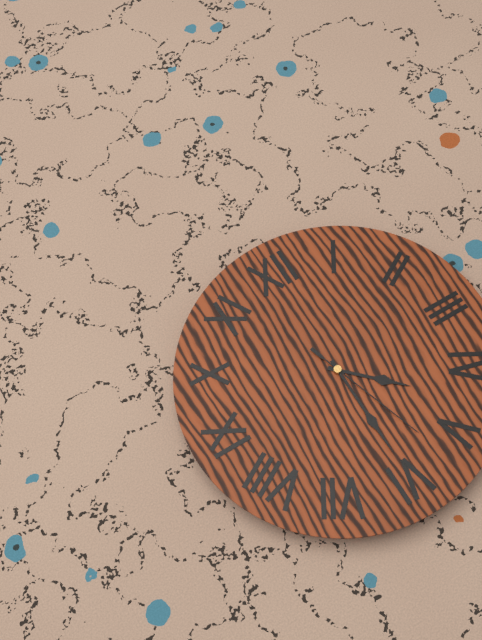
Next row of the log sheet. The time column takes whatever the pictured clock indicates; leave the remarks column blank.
4:30:27
